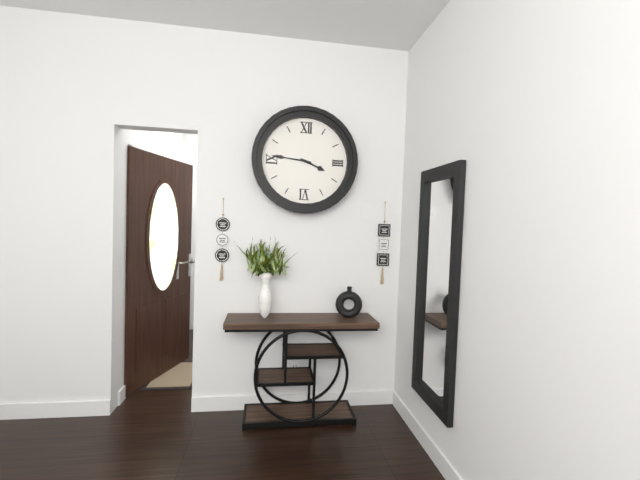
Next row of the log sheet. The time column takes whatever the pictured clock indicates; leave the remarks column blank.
3:46
